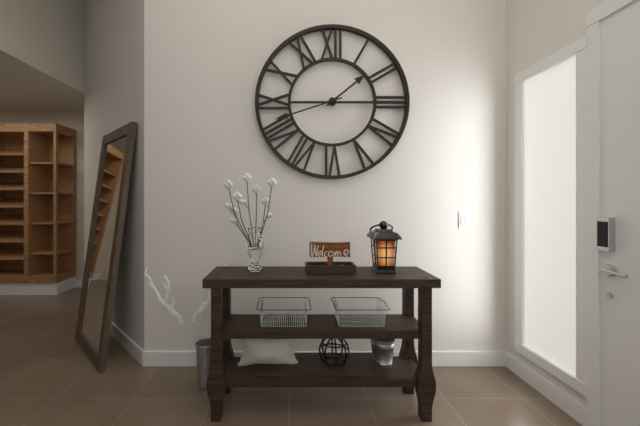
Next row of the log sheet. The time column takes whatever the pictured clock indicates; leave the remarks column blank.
1:42
